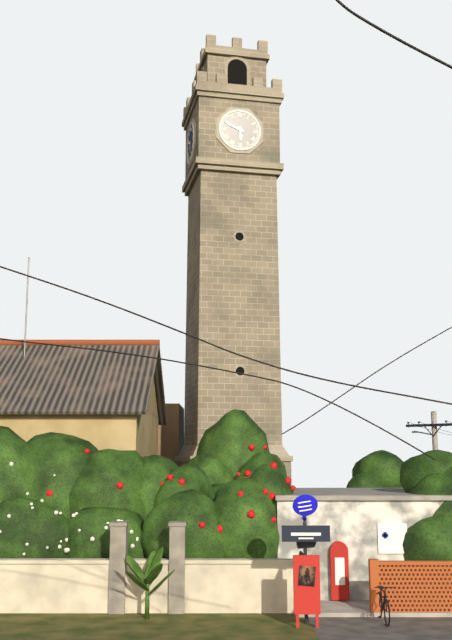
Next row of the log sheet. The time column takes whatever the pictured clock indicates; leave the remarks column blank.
5:49
